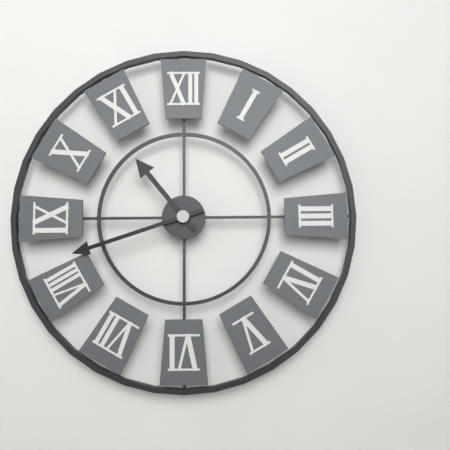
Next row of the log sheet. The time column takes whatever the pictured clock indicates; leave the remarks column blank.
10:42
